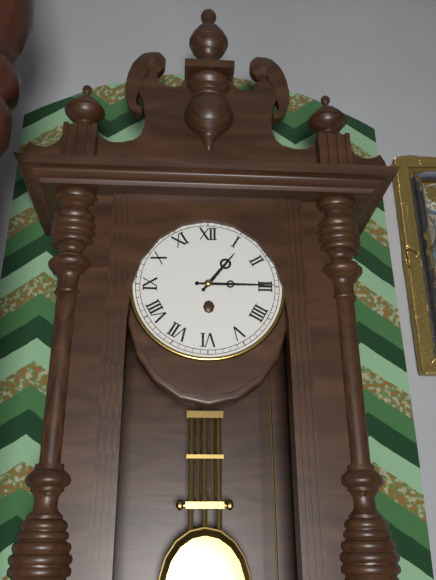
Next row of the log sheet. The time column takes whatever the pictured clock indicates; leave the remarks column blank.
1:15
